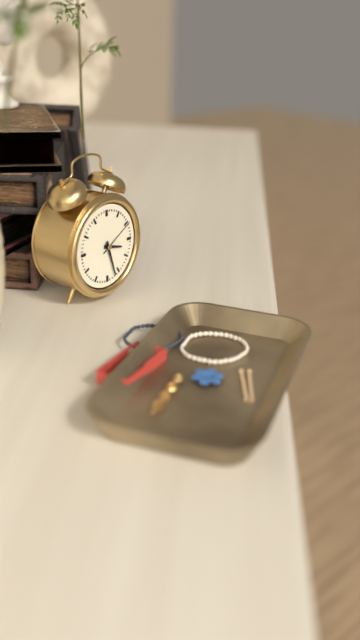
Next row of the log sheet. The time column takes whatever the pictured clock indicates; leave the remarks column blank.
3:27
